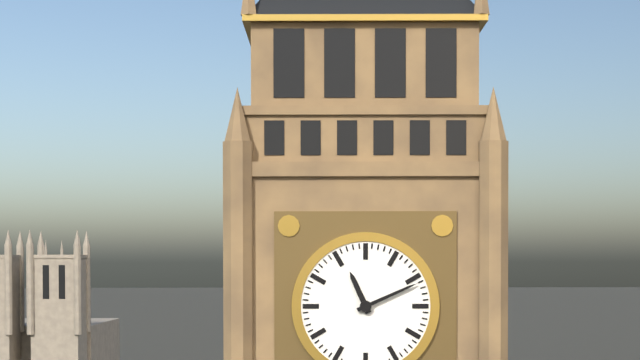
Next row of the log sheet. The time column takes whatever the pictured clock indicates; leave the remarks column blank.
11:11
